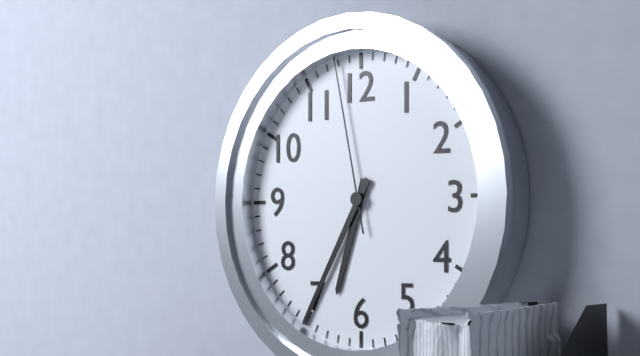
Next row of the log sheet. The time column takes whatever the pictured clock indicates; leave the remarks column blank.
6:35:58
